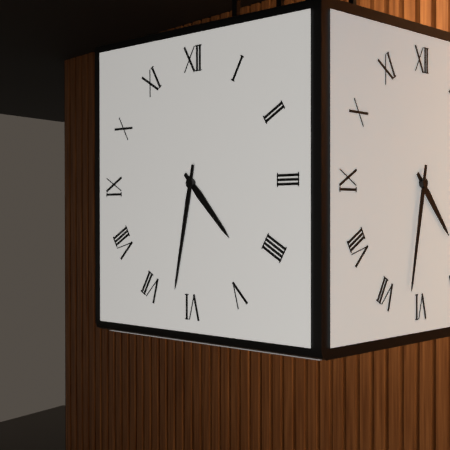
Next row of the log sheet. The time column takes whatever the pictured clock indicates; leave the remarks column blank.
4:32
